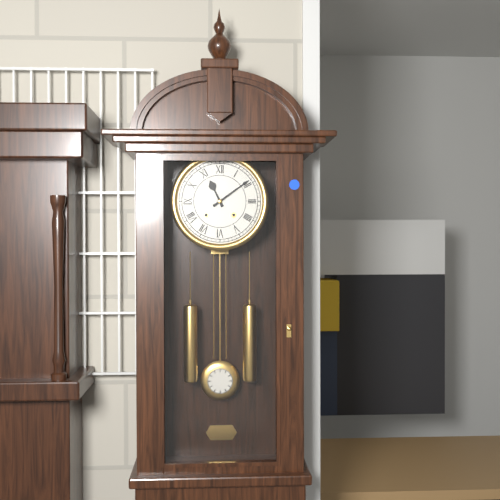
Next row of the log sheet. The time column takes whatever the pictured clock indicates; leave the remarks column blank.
11:09
